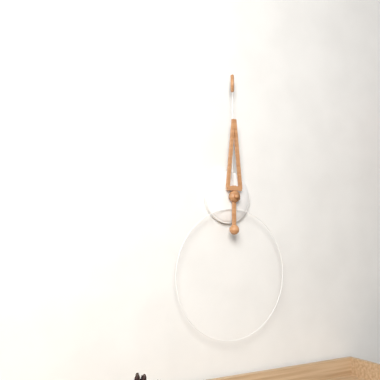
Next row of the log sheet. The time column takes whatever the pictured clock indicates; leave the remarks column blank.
12:00
